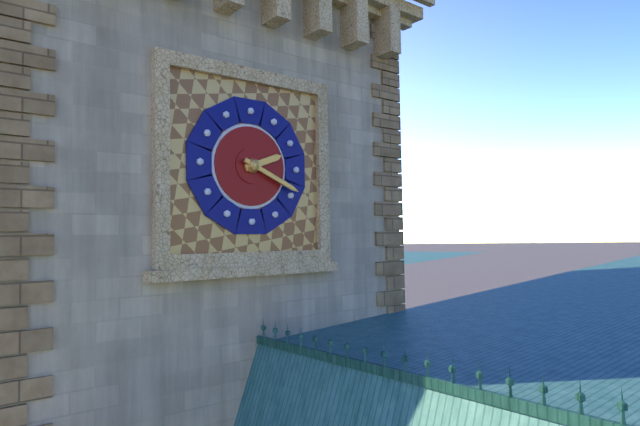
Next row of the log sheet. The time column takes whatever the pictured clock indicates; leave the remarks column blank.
2:19
